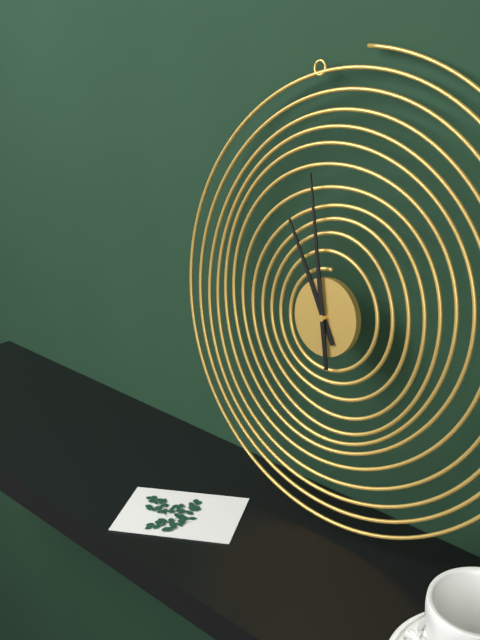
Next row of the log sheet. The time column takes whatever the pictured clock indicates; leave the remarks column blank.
10:58
